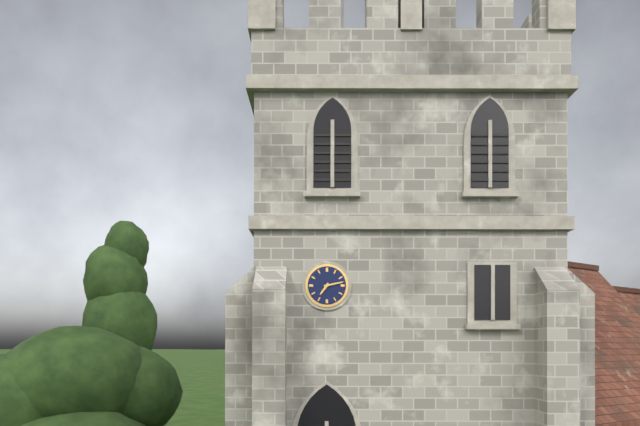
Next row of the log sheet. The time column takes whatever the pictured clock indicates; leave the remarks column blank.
7:13
